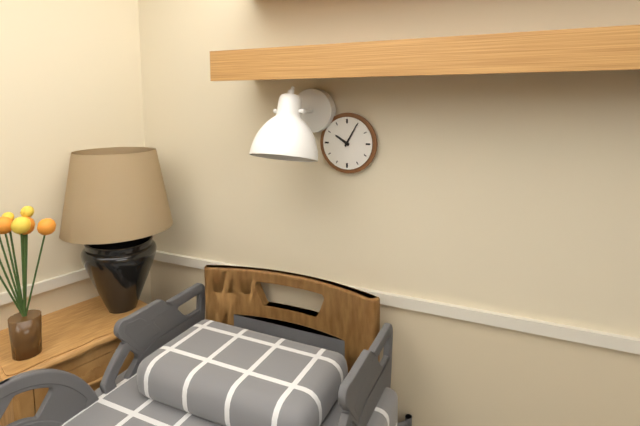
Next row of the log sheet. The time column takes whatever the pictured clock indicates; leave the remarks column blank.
10:05
